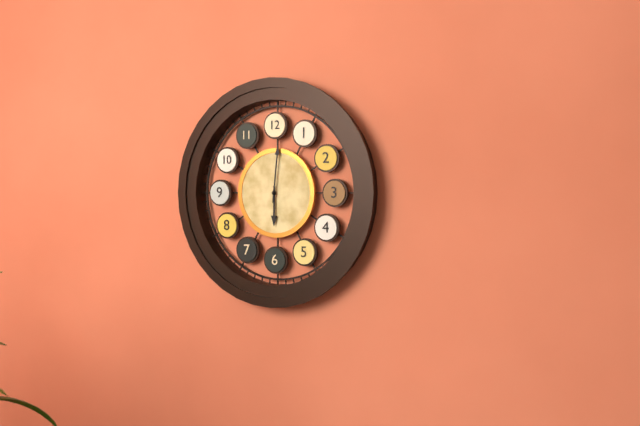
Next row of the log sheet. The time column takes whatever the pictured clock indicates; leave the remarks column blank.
6:01
